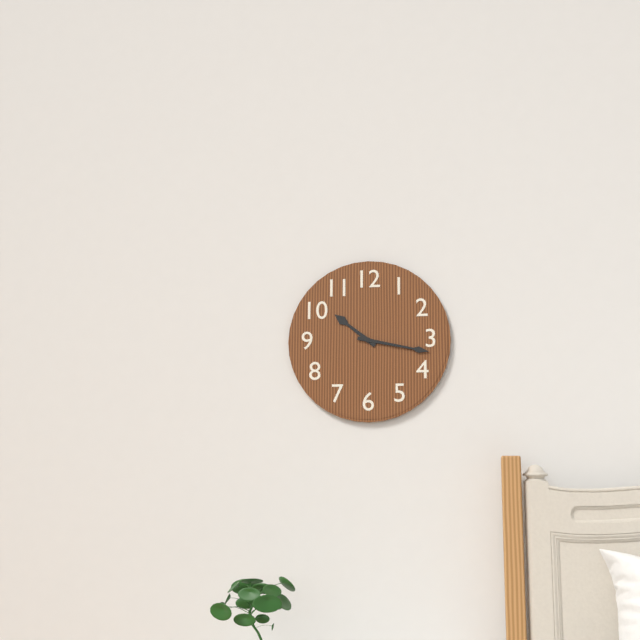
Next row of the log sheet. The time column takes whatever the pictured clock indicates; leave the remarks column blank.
10:17
